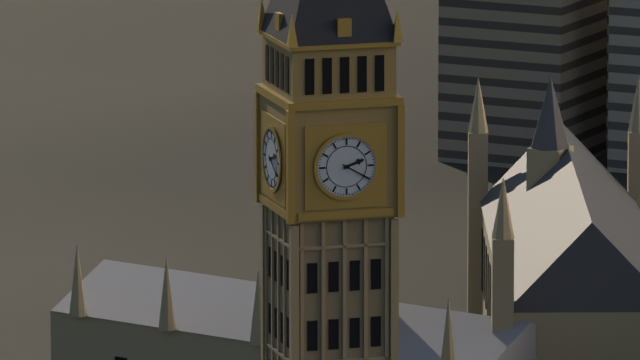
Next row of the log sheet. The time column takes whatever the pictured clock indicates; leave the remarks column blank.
2:20
